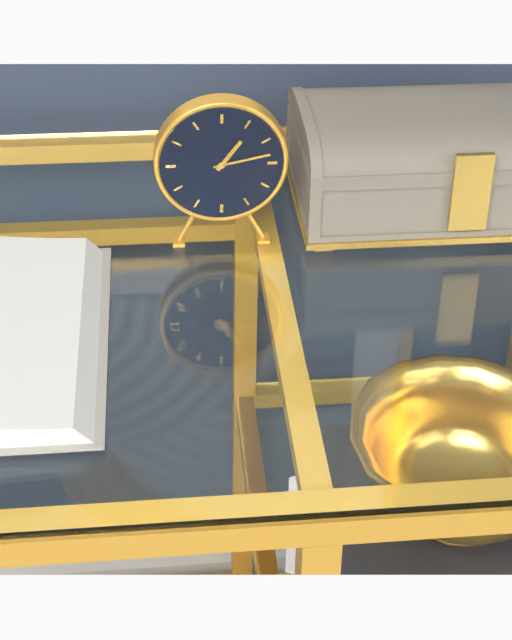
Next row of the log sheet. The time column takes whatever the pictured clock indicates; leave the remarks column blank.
1:13
